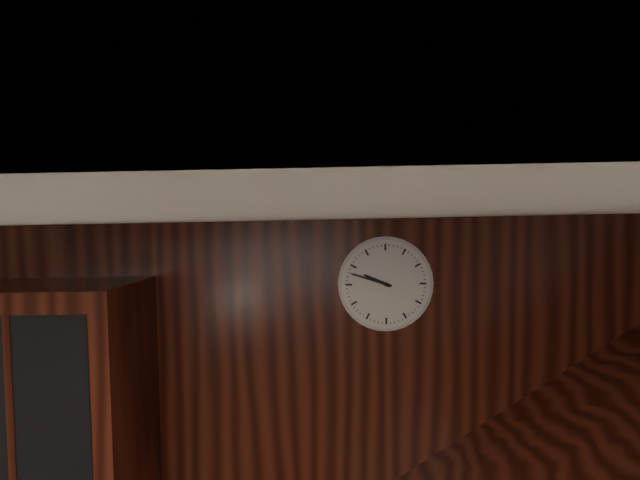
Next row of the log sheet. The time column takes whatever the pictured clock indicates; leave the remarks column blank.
9:48
